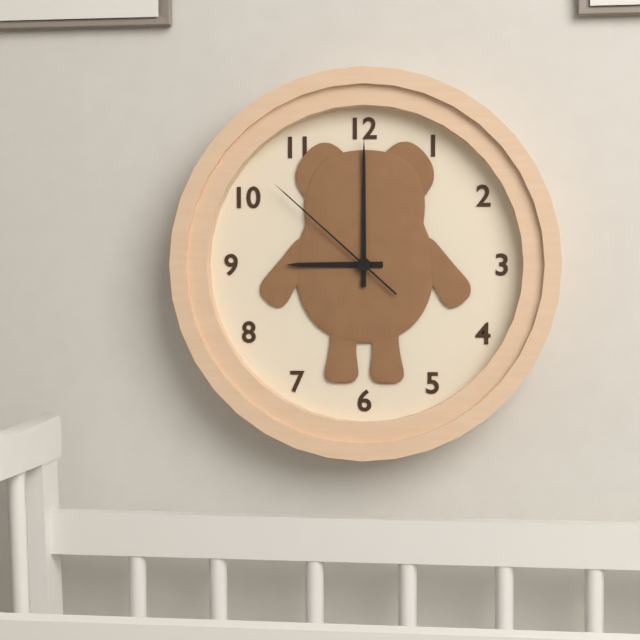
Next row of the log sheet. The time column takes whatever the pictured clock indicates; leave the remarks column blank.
9:00:52
